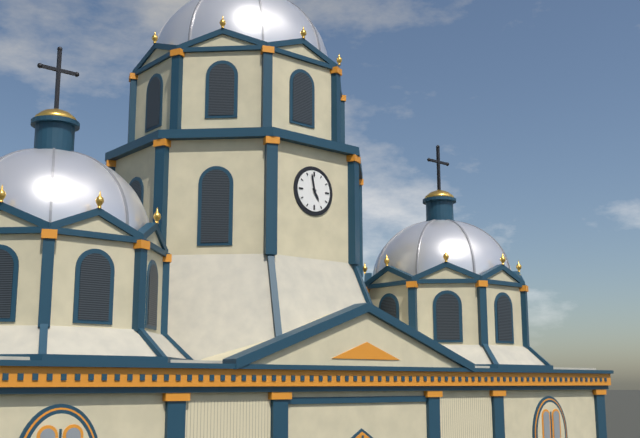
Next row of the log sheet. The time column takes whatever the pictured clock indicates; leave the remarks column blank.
4:58
